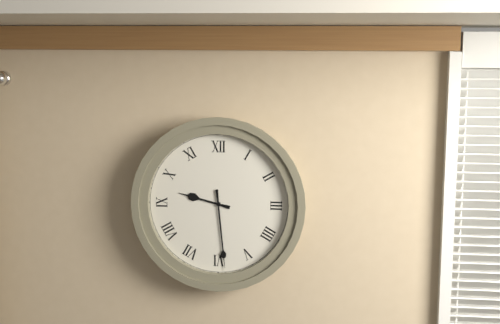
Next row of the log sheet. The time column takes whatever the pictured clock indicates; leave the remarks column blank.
9:29
